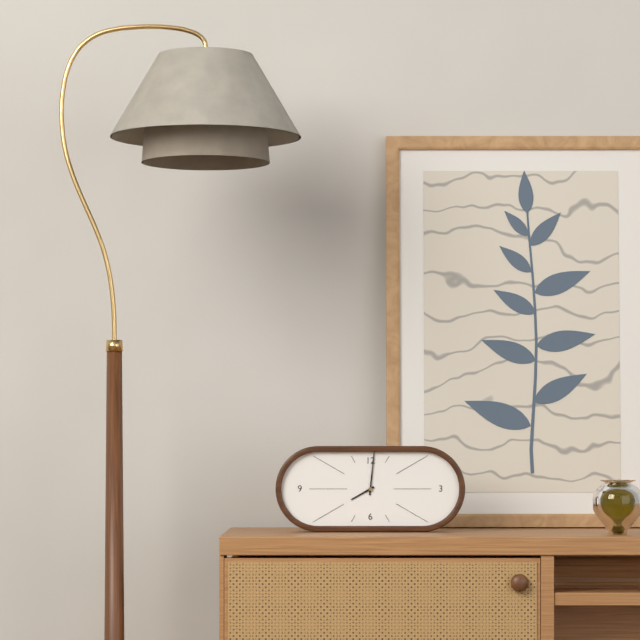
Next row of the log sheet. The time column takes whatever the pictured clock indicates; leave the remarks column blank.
8:01
